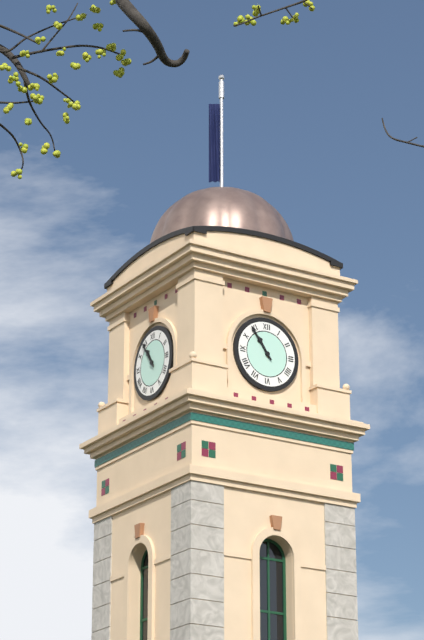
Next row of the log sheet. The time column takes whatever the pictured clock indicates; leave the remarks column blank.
10:54
